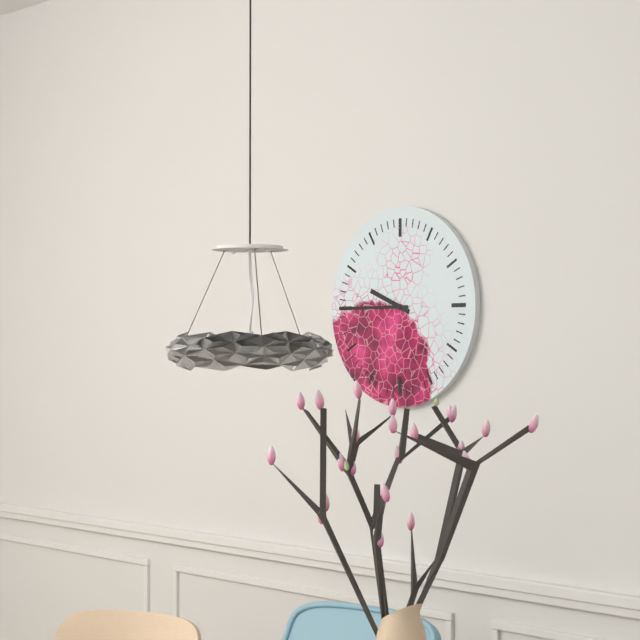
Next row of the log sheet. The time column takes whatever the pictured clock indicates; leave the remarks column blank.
9:45
